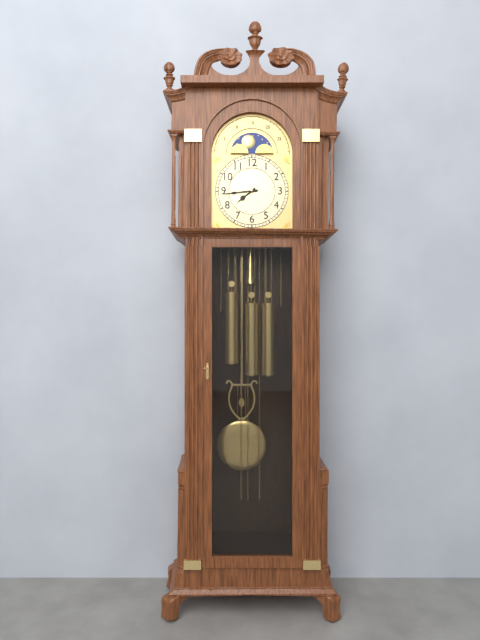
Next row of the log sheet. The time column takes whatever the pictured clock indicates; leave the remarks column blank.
7:44
